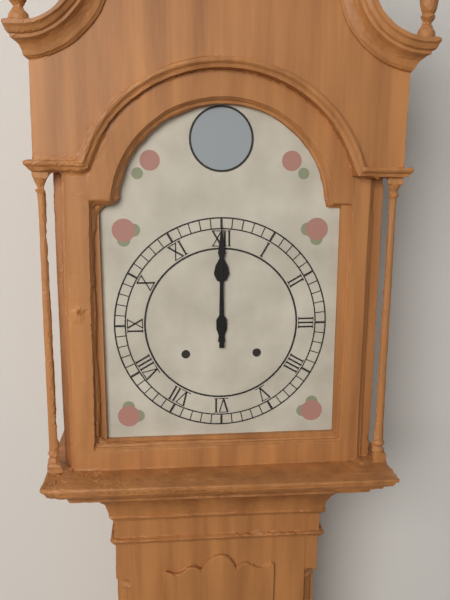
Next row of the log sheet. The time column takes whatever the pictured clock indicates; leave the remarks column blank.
12:00
